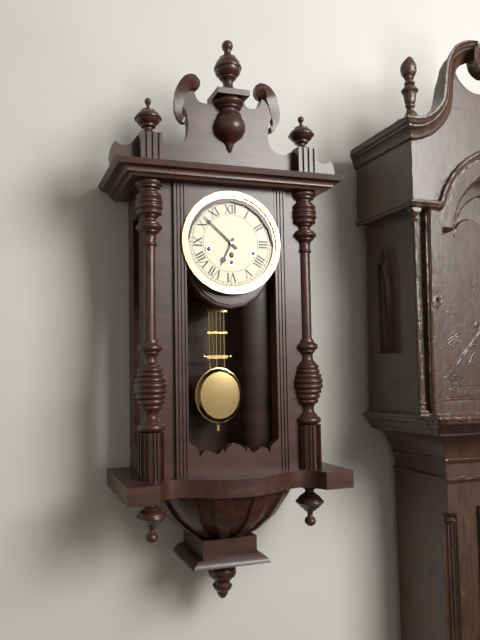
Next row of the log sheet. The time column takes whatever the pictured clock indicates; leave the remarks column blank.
6:52
